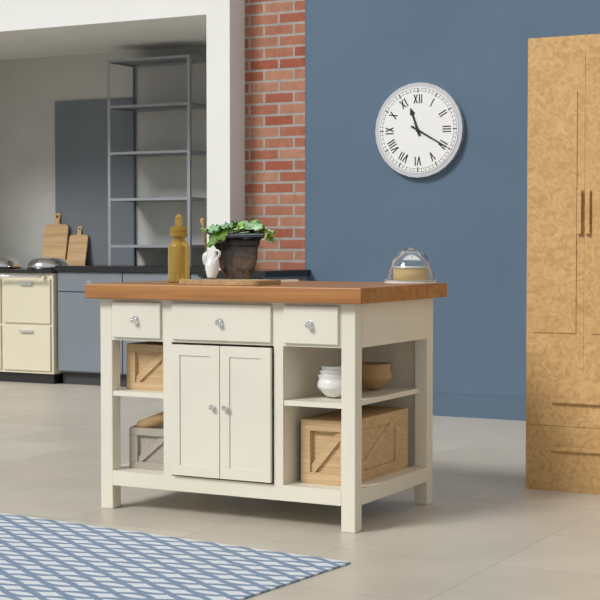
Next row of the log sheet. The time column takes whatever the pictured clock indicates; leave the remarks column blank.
11:20
